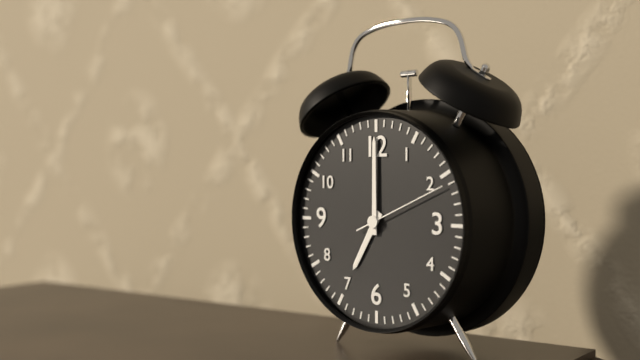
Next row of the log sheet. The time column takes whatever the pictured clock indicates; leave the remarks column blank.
7:00:11
